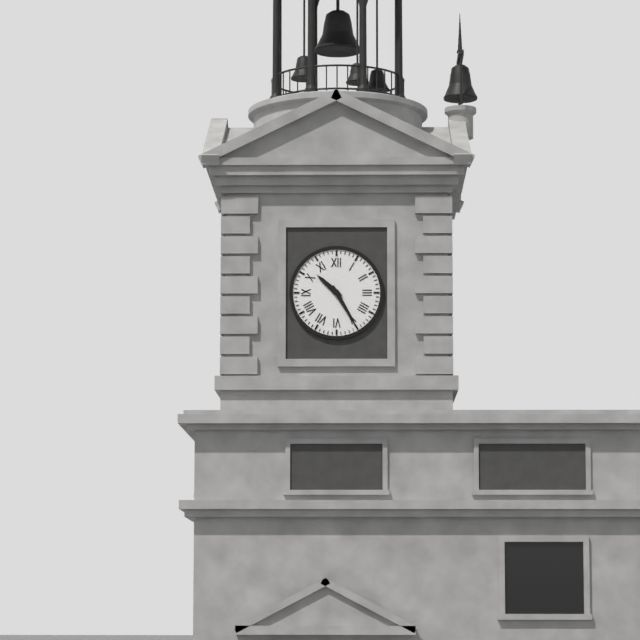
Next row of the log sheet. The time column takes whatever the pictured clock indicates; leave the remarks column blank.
10:25
